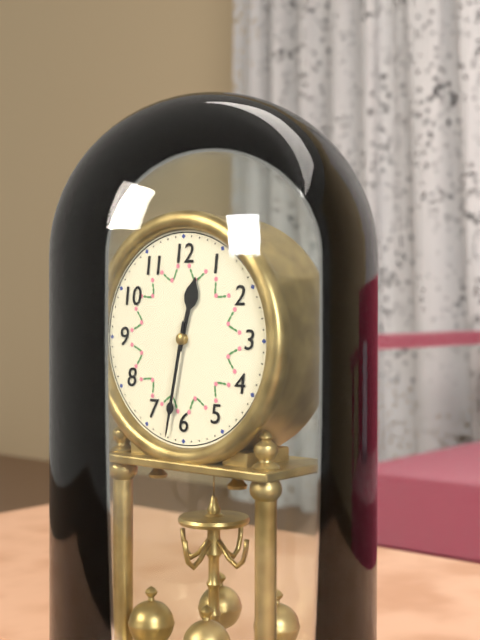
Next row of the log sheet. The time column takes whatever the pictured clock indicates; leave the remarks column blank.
12:32
